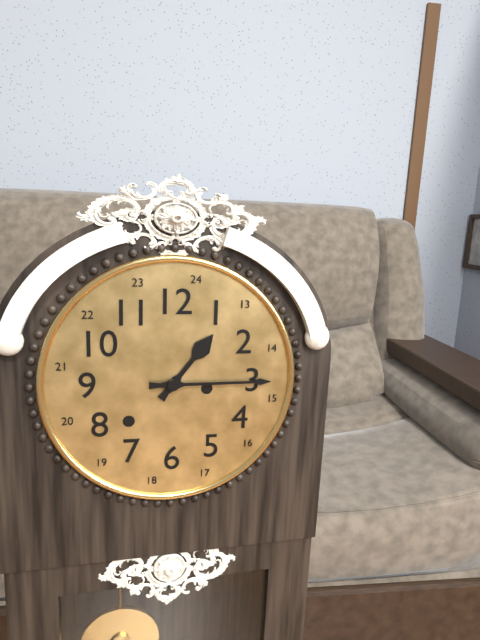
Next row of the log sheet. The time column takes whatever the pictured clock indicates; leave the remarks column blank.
1:15
